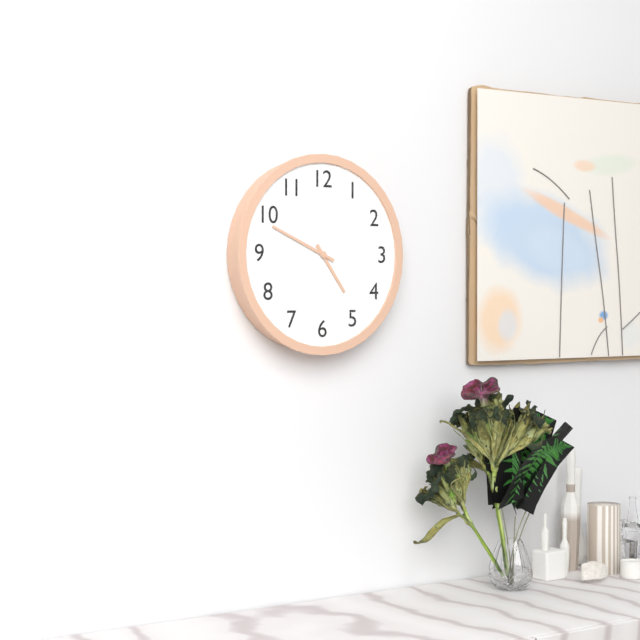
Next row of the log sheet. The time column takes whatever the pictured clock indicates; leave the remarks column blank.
4:49
